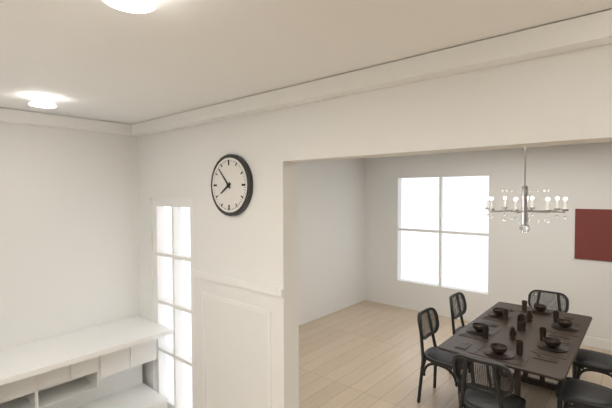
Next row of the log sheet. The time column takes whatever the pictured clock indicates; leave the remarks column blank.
7:53
